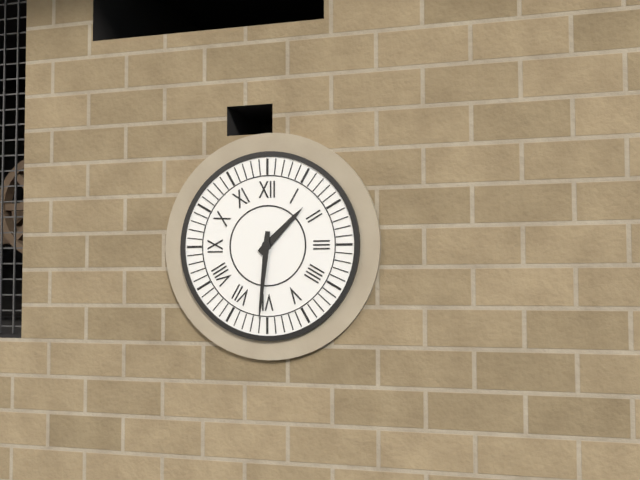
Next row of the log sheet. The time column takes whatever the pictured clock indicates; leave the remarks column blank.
1:31
